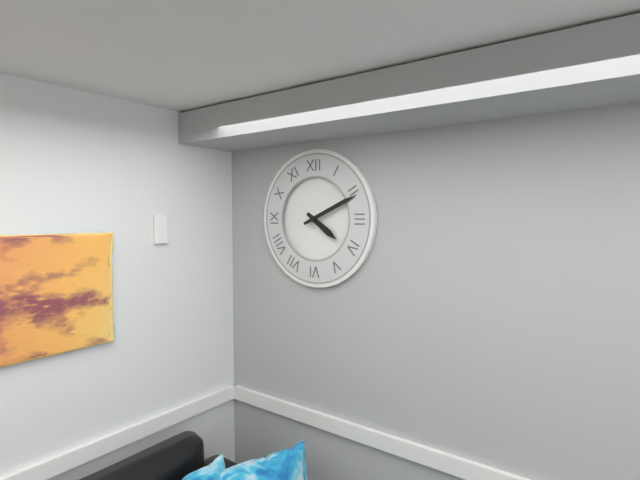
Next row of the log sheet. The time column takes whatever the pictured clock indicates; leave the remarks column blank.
4:11
